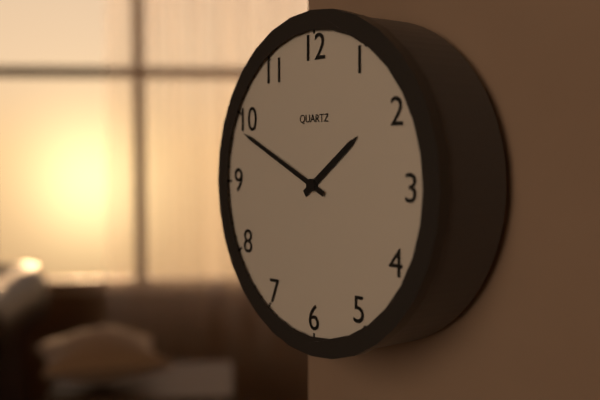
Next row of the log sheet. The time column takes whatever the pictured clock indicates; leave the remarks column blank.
1:49
